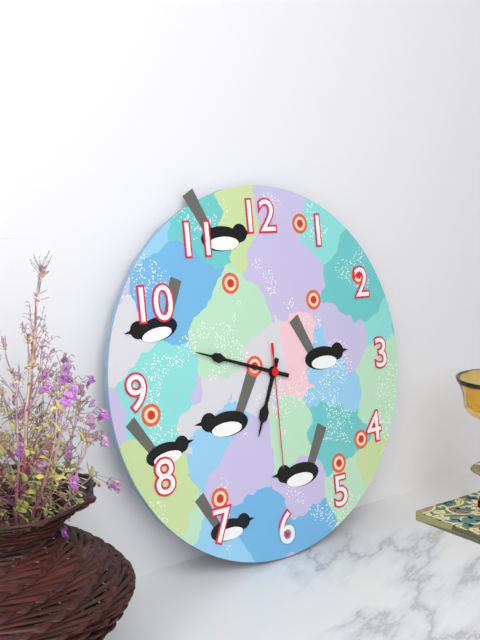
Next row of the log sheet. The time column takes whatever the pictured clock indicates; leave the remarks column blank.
6:48:30
